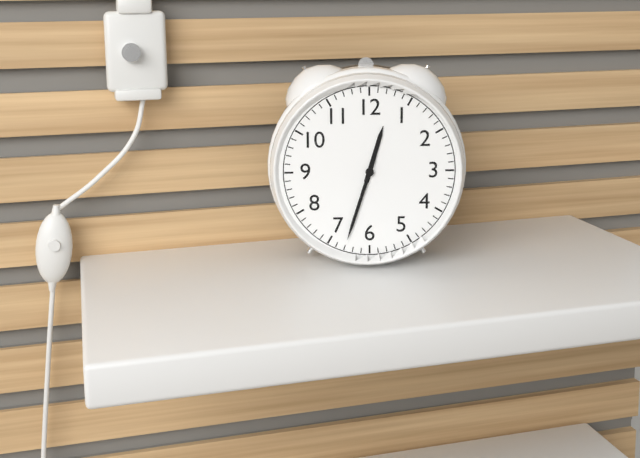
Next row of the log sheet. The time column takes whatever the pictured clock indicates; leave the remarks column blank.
12:33
